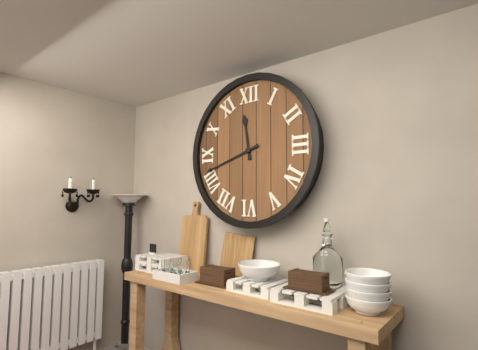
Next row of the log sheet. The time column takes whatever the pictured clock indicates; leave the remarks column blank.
11:42
